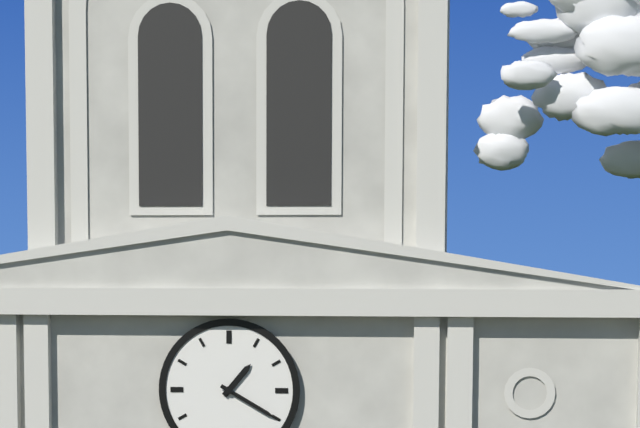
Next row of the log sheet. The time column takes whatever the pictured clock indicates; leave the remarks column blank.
1:20
